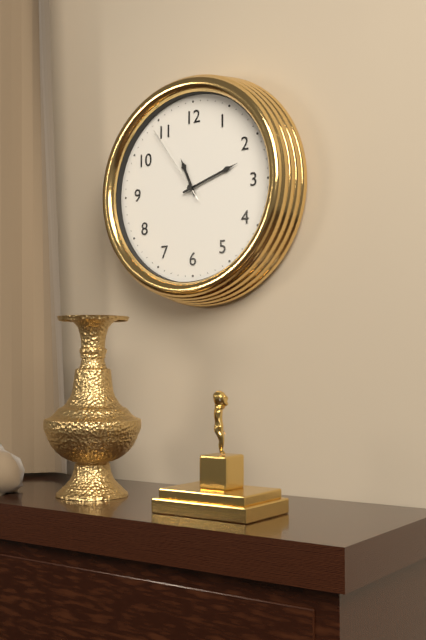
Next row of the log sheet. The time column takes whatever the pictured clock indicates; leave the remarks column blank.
11:12:54
